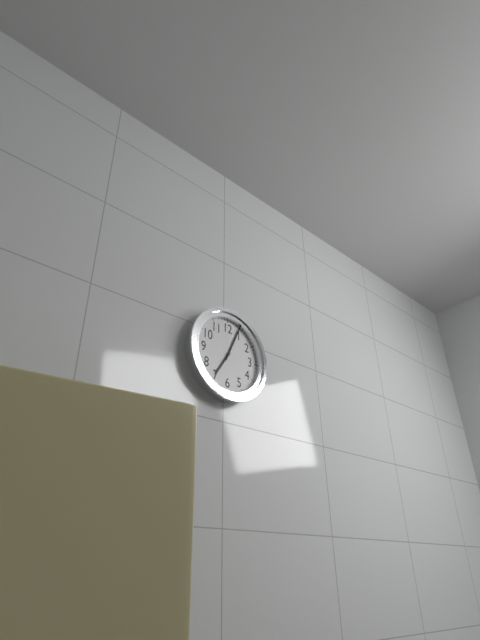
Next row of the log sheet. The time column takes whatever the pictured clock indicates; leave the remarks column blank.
7:04
